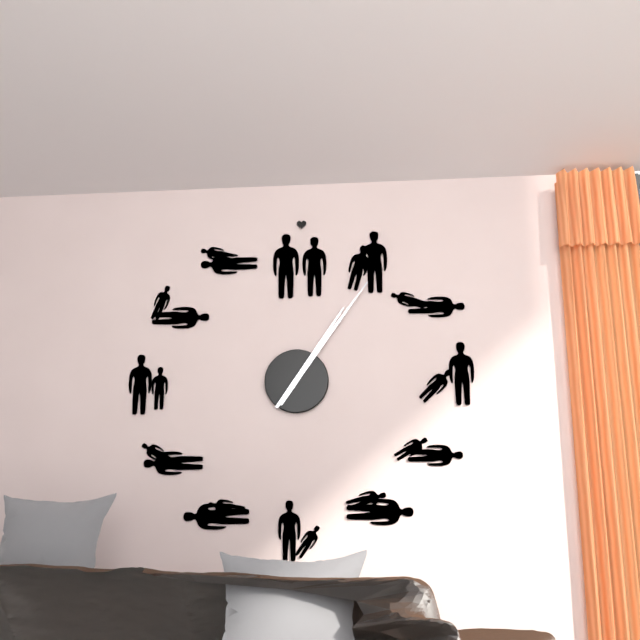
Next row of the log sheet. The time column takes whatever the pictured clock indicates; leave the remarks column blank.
1:06
